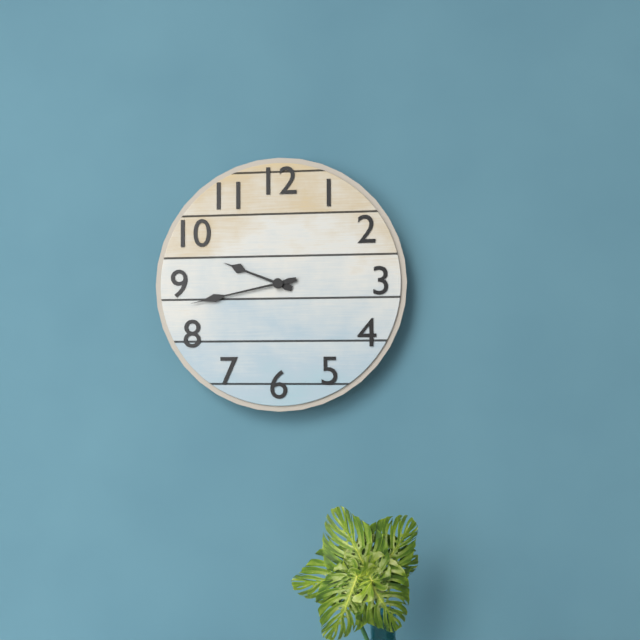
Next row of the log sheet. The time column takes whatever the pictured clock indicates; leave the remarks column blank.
9:43
